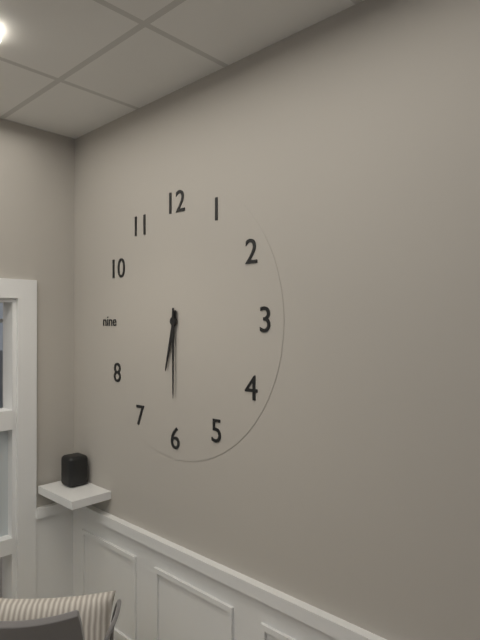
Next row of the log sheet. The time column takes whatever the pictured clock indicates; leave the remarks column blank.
6:30
